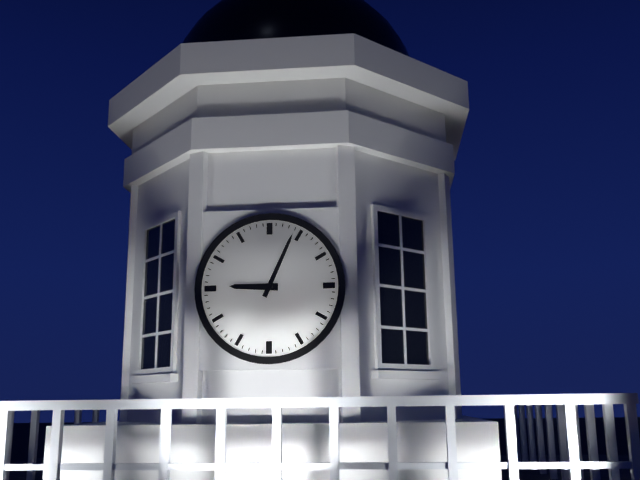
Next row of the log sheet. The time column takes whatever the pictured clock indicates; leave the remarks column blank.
9:04
